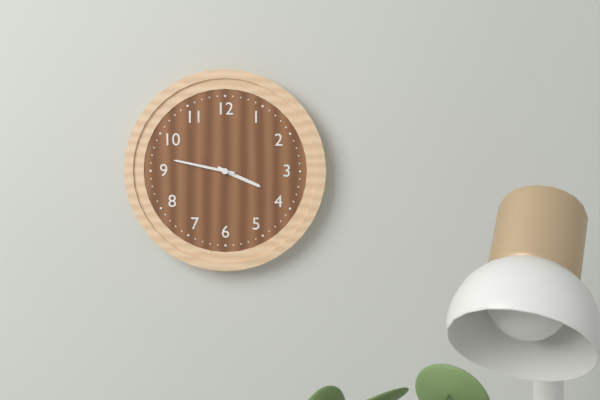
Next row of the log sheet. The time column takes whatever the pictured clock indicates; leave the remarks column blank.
3:47
